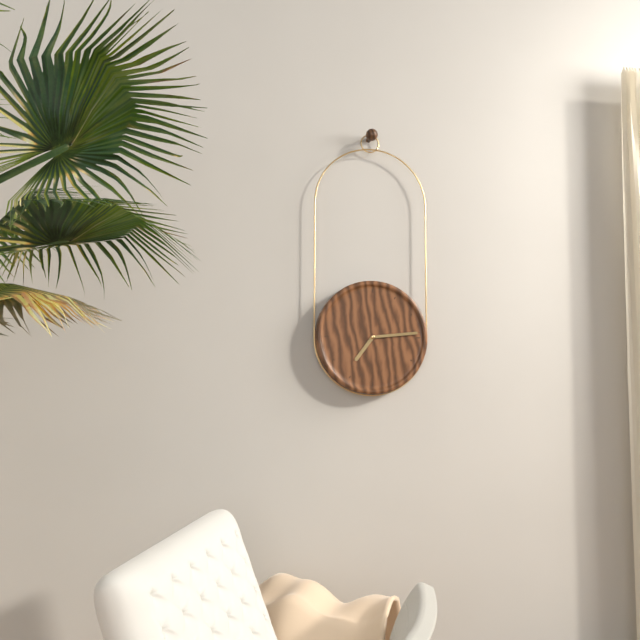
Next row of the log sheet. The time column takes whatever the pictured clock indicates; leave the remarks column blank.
7:14
